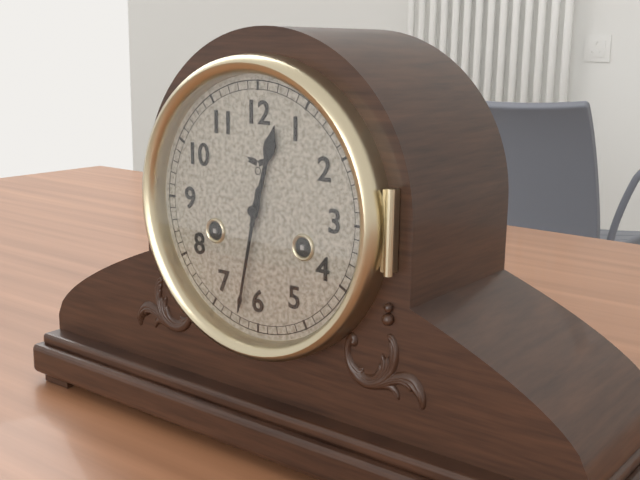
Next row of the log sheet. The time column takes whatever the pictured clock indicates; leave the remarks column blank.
12:32
